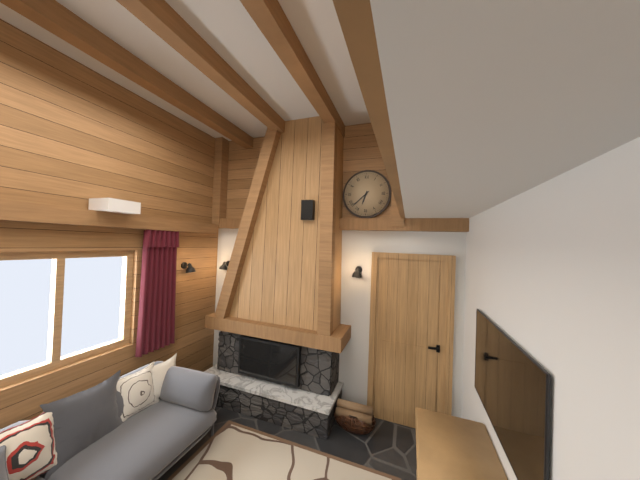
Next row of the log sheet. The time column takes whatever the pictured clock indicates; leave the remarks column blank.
6:38
